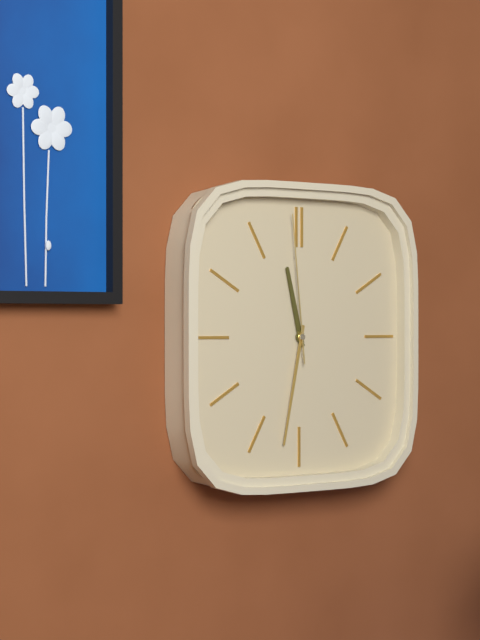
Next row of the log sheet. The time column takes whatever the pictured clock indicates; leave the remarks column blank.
11:32:59
